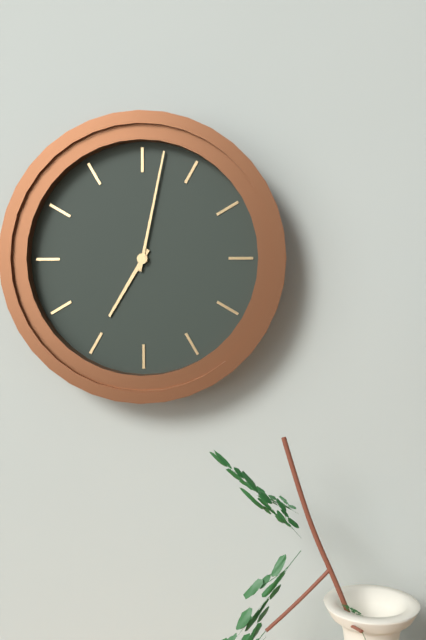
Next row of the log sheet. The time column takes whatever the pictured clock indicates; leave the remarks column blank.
7:02
